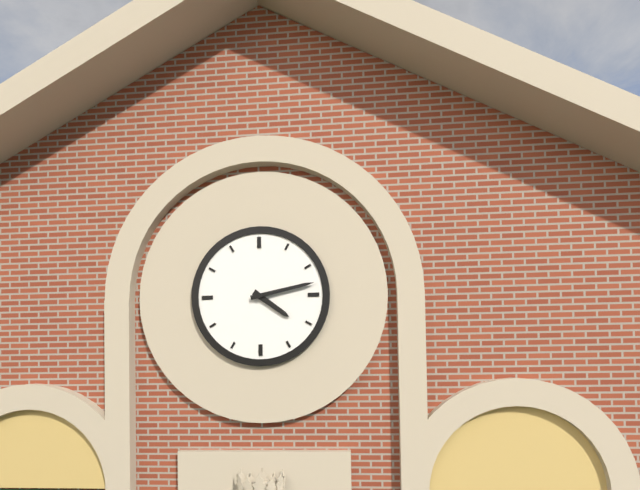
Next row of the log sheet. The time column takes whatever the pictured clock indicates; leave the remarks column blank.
4:13
